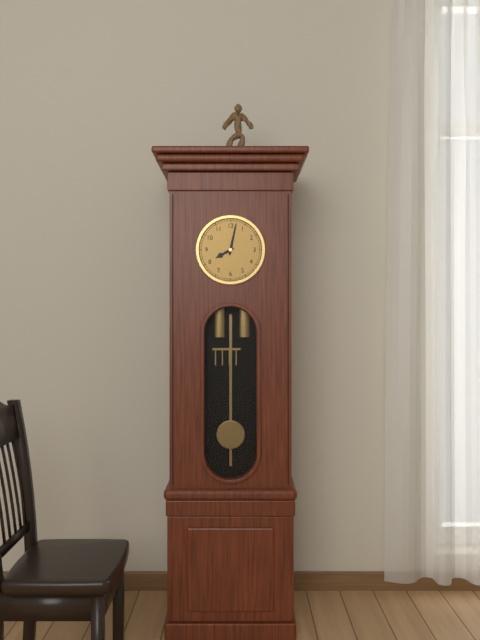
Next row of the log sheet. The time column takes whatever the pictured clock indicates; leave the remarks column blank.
8:02
